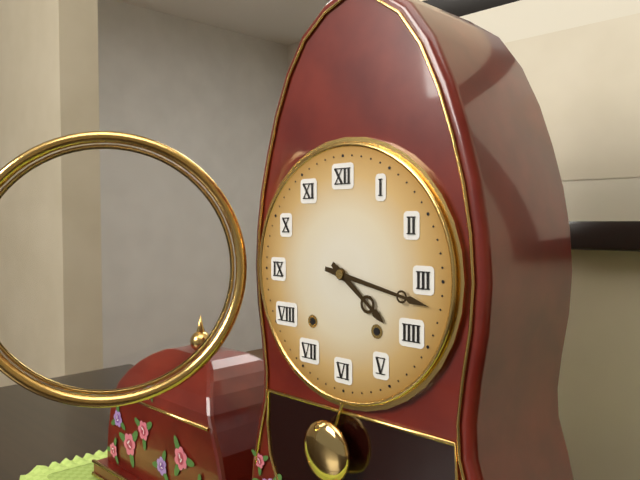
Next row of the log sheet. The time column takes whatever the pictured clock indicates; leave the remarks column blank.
4:17
